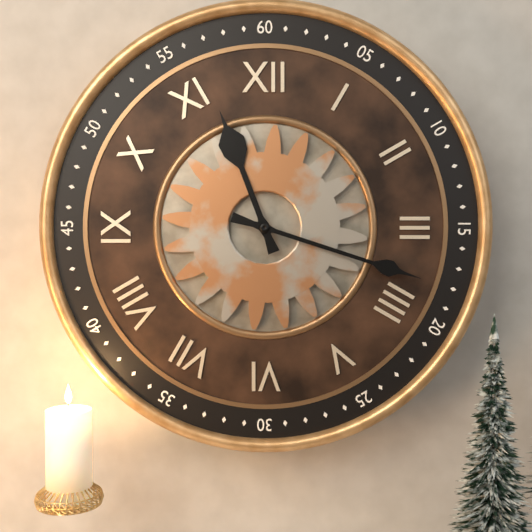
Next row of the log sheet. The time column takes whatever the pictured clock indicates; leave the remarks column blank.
11:18
